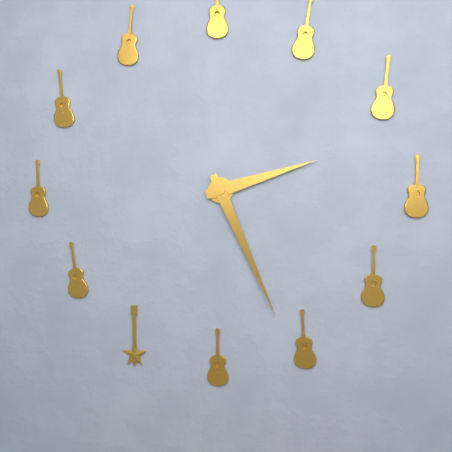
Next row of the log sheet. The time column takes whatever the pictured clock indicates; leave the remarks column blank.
2:26
